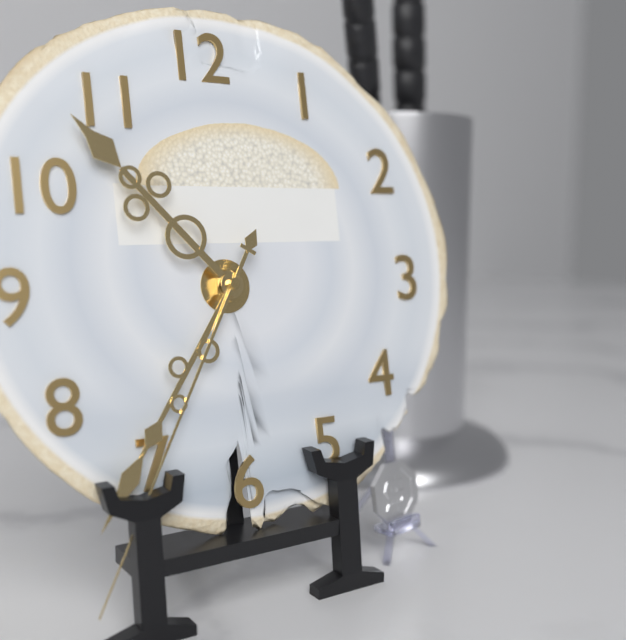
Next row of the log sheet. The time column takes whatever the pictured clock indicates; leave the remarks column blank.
10:36:35
